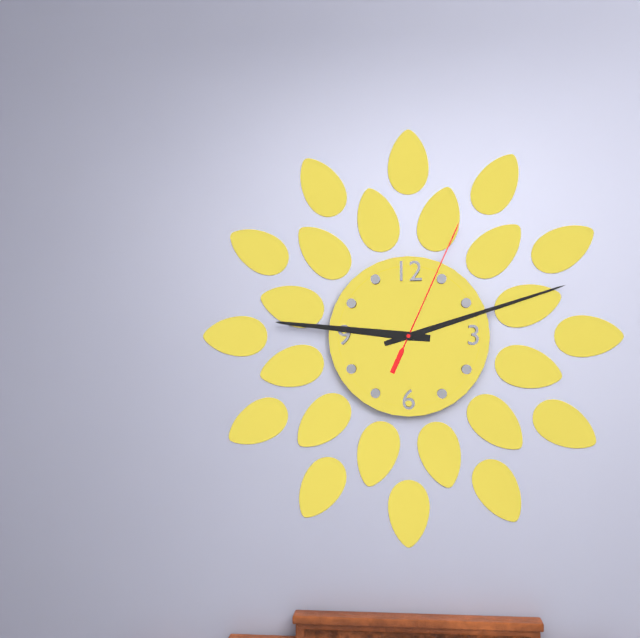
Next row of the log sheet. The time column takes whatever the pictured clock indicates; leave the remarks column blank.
9:12:04
